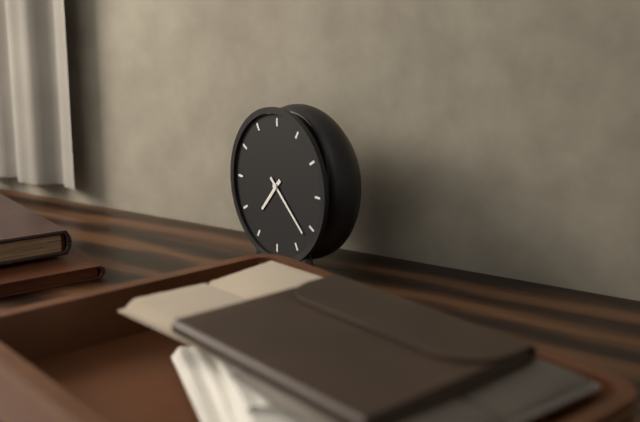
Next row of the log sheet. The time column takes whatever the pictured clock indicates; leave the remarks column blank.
7:22
